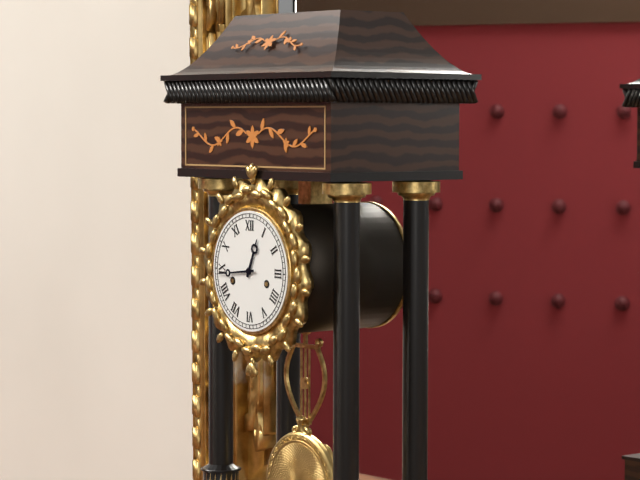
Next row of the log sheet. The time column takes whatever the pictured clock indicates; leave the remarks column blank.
12:44
